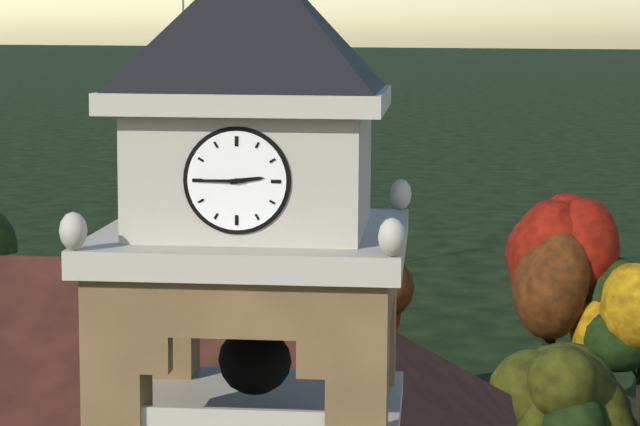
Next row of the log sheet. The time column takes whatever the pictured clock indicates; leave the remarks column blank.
2:45
